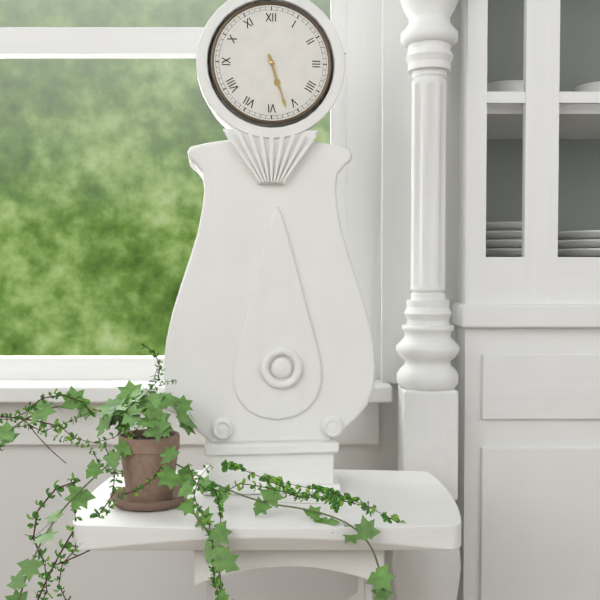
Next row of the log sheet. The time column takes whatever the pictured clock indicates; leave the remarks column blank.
5:27
